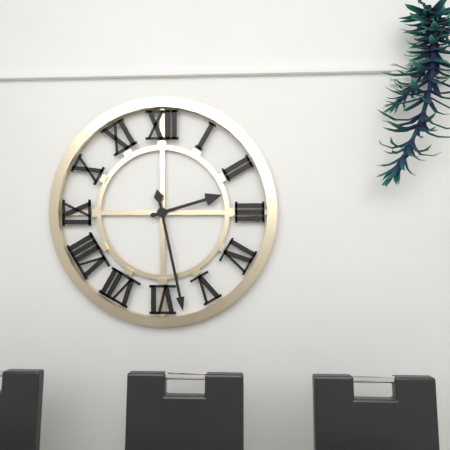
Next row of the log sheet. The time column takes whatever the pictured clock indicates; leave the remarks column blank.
2:28
